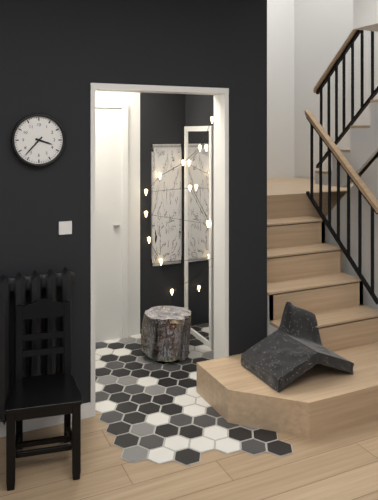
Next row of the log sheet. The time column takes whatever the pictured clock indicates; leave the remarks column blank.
3:37
